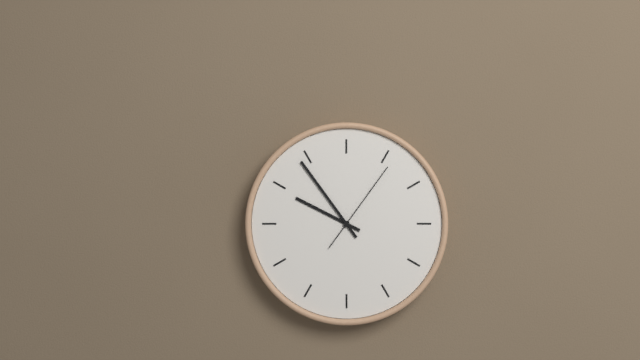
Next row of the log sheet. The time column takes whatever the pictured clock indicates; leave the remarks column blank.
9:54:06
